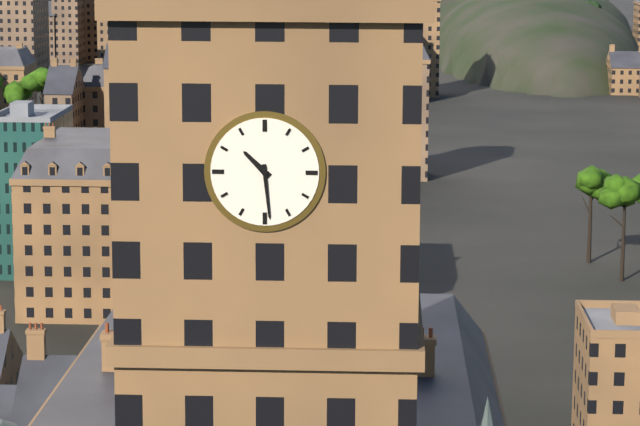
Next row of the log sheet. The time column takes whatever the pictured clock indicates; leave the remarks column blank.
10:29
